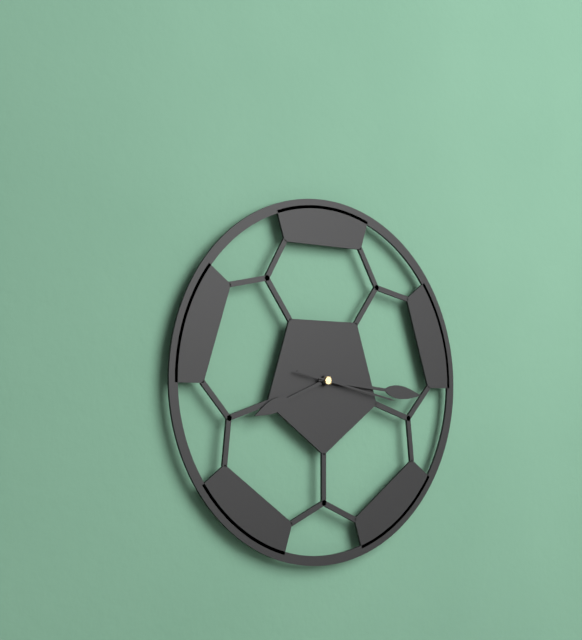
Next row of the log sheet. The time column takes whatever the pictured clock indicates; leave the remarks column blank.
8:16:17
